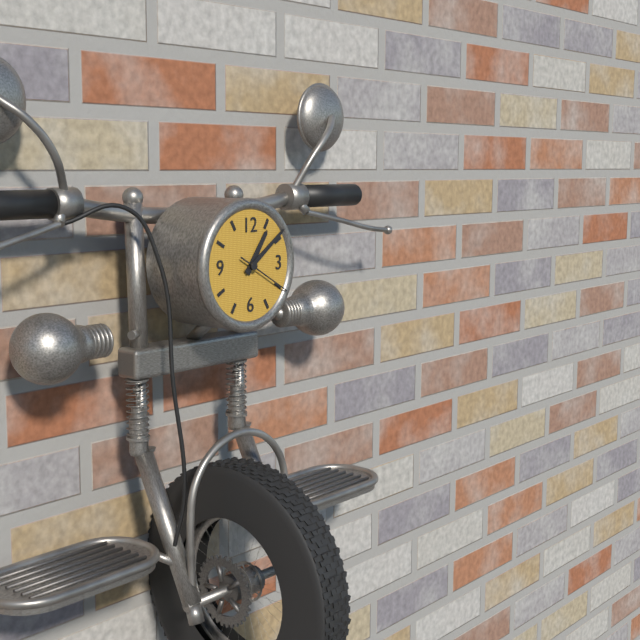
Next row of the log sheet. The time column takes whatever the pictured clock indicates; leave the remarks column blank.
1:09:20
